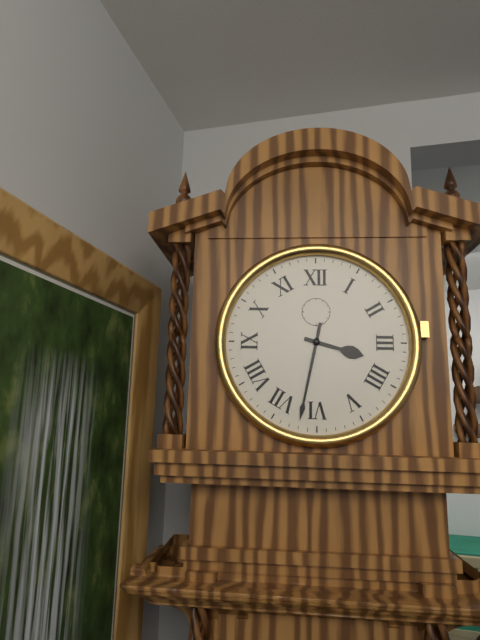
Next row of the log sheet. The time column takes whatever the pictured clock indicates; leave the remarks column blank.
3:32
